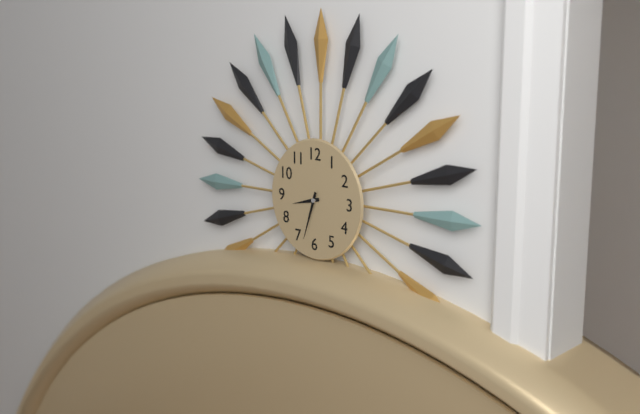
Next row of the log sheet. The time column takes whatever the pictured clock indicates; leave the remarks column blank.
8:33
